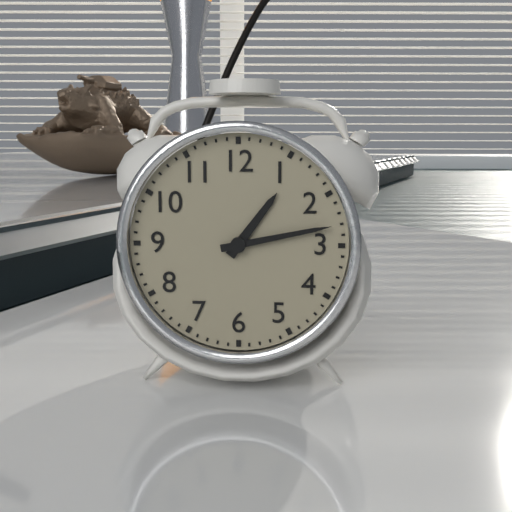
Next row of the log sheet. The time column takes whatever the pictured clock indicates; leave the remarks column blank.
1:13
